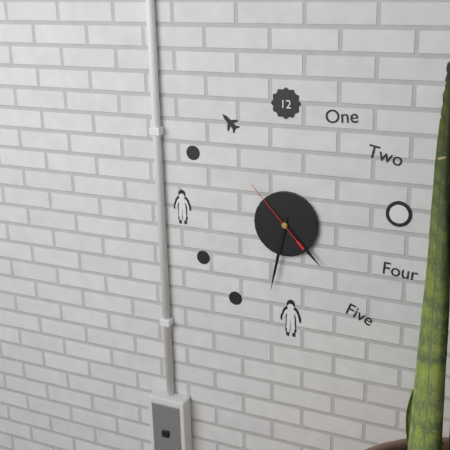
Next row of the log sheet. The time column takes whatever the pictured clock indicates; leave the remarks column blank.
4:32:53
